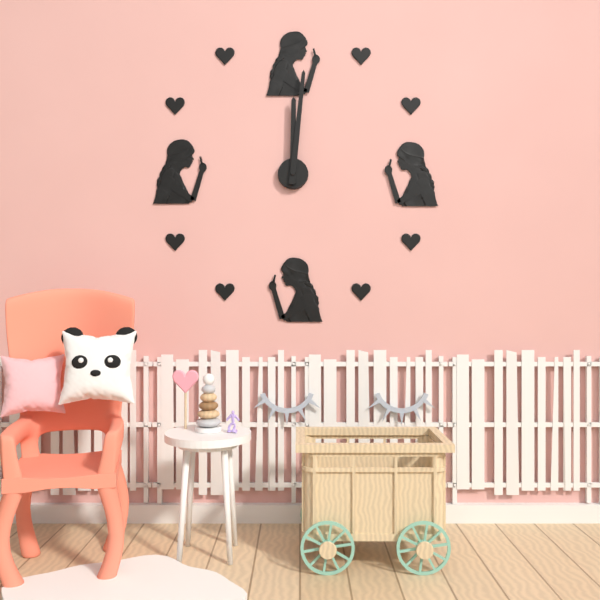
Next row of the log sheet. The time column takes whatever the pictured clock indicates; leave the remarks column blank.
12:01
